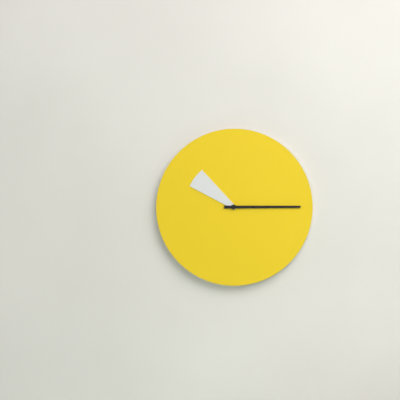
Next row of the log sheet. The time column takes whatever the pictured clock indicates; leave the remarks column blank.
10:15
